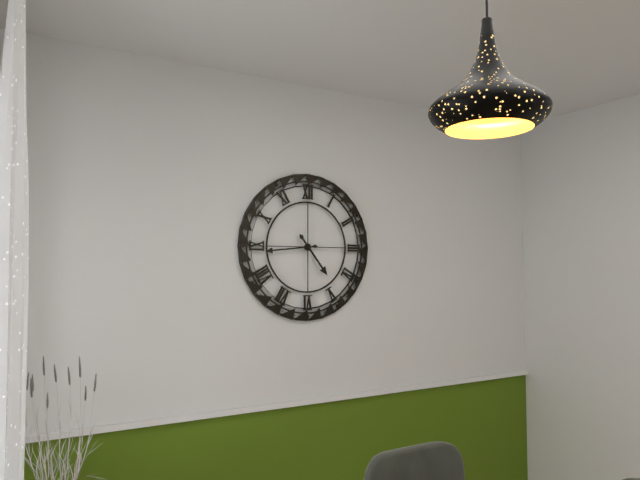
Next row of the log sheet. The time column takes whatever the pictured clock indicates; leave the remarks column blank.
4:44
